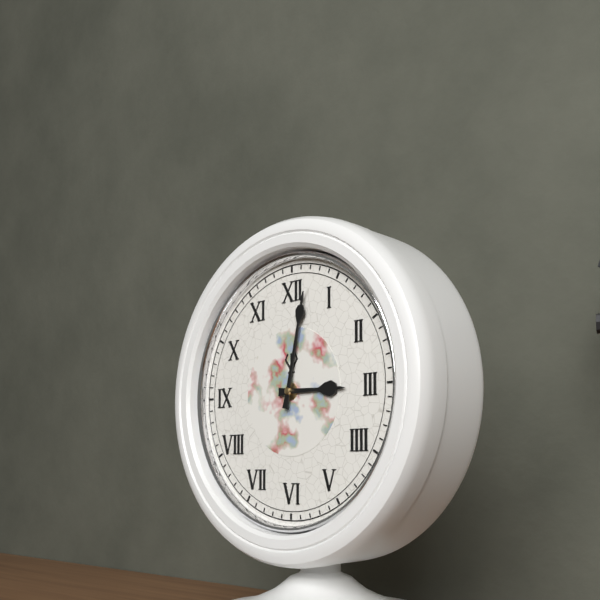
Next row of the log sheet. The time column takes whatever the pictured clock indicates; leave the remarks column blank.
3:02
